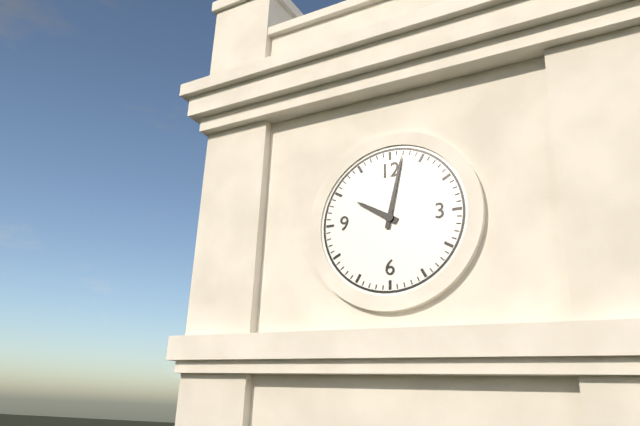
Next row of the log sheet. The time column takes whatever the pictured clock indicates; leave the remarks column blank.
10:02
